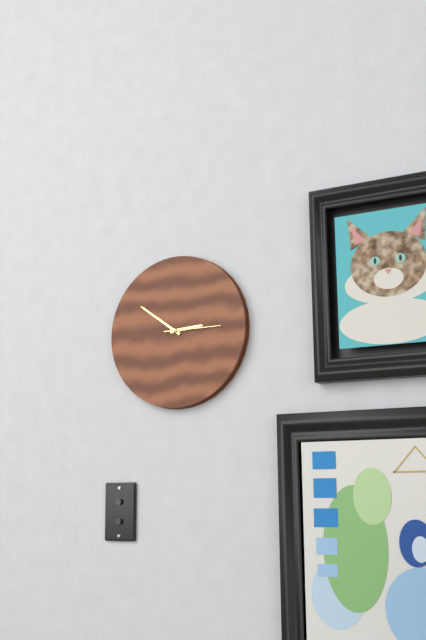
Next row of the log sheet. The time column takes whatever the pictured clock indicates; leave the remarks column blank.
2:51:15
